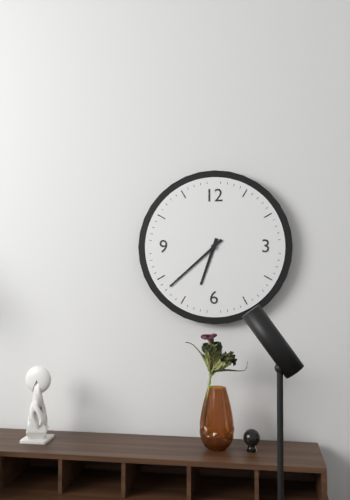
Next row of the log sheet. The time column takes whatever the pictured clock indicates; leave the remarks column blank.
6:38
